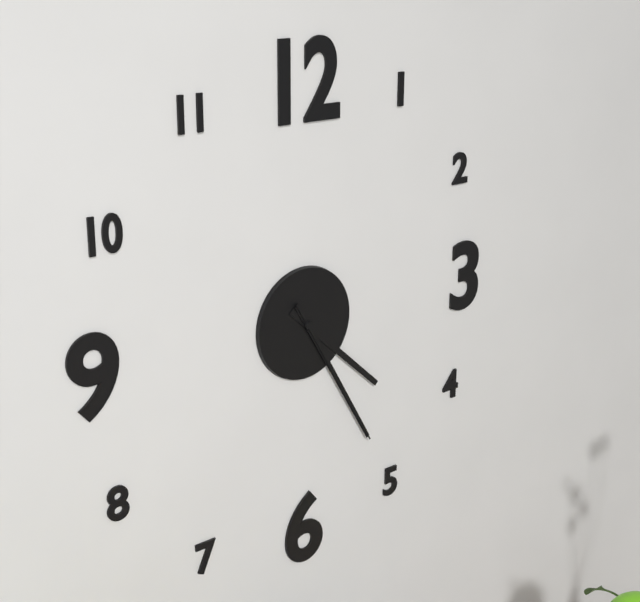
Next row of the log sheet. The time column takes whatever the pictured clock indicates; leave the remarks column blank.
4:25:25
